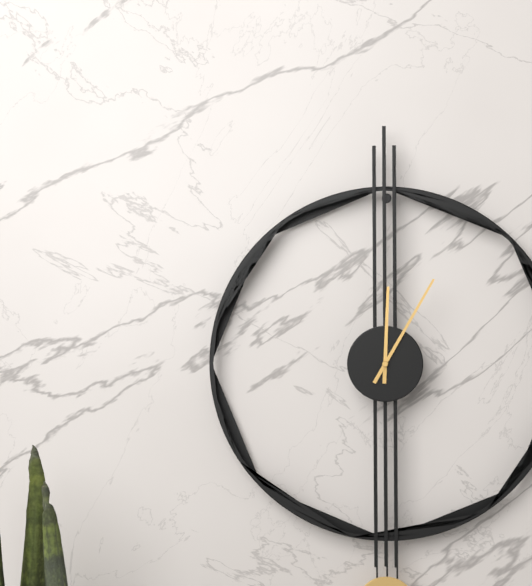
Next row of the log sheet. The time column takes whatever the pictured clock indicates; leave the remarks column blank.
12:05
